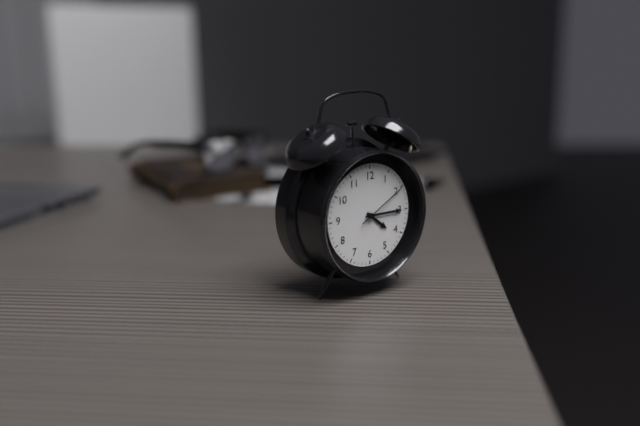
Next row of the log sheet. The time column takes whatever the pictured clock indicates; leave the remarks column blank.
4:15:10
